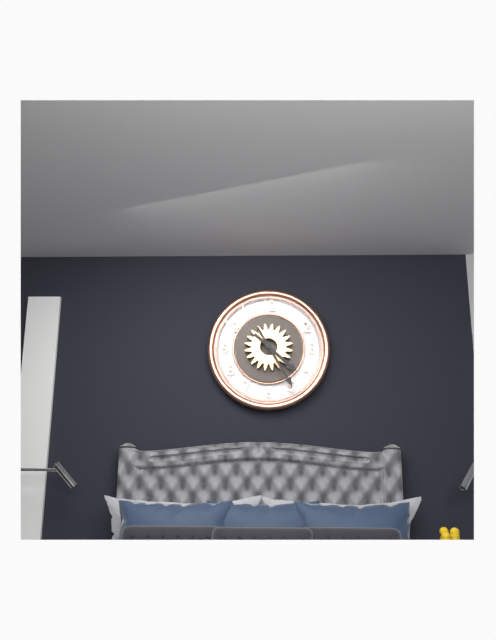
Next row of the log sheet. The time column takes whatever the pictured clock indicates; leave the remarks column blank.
4:25
